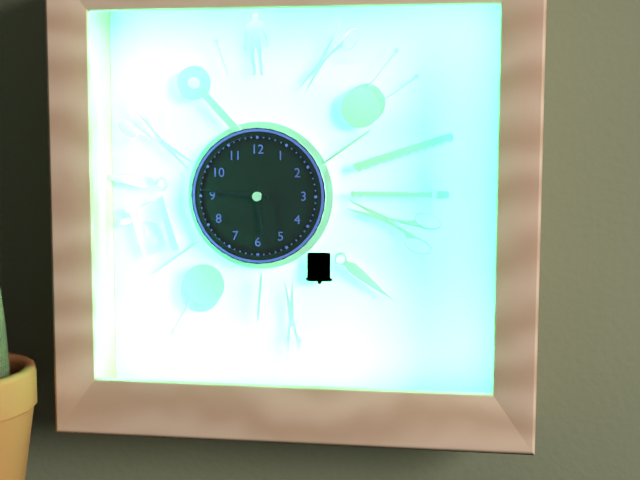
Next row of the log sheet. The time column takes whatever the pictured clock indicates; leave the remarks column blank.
5:46
